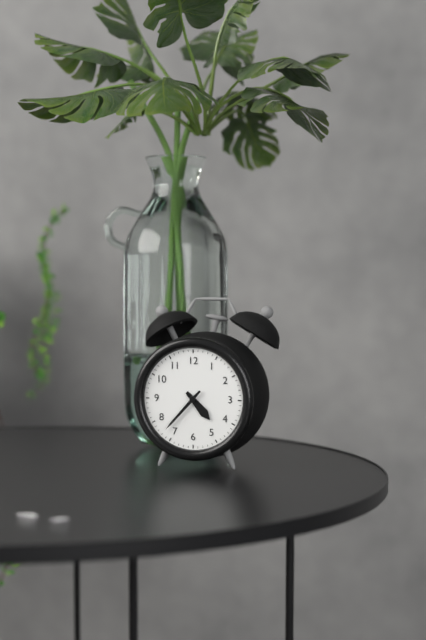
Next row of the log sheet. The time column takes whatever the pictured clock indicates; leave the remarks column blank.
4:37
